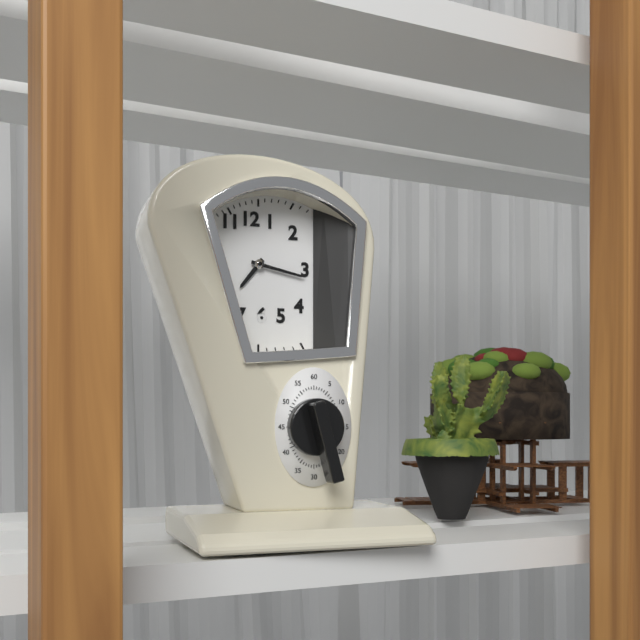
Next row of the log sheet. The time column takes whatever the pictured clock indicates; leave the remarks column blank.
7:17
